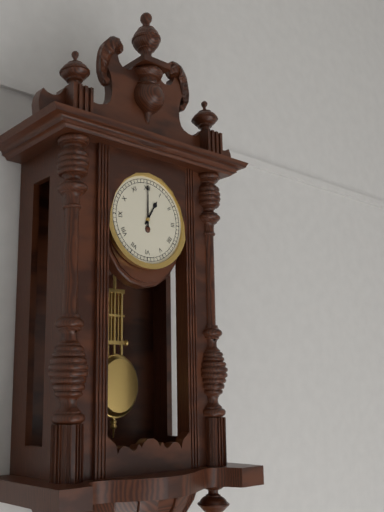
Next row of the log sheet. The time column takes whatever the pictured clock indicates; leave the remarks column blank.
1:00
